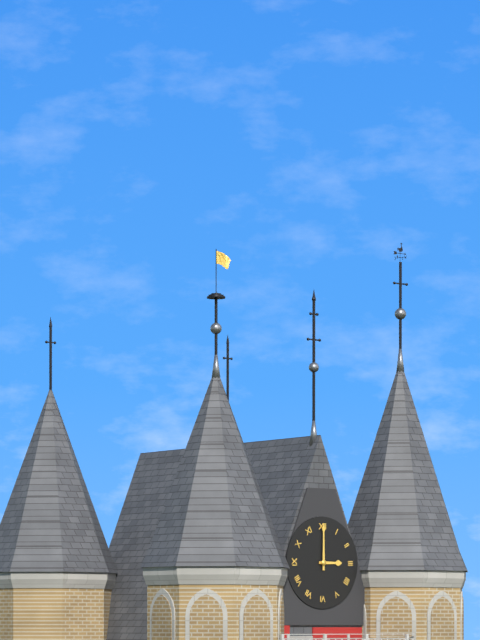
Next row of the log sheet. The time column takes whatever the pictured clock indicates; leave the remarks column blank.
3:00
